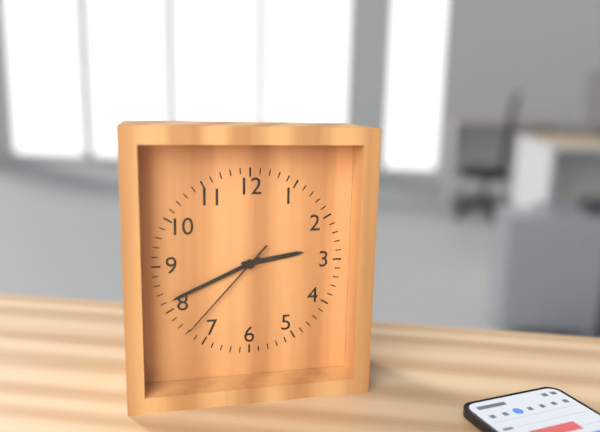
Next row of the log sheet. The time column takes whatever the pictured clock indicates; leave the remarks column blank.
2:41:37
